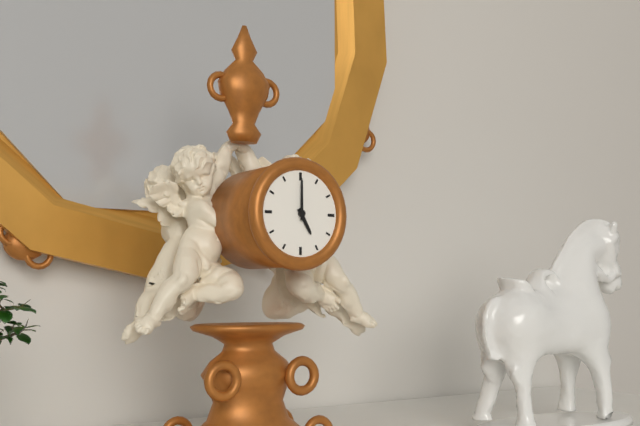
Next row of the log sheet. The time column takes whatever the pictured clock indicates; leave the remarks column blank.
5:00
